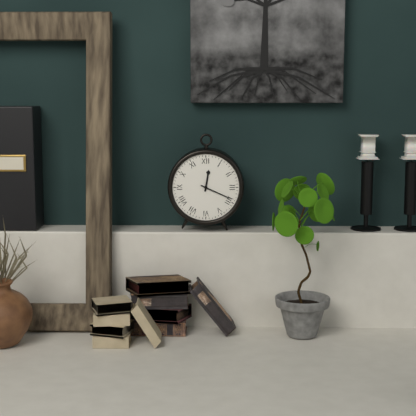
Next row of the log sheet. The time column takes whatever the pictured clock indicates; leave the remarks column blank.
12:19
